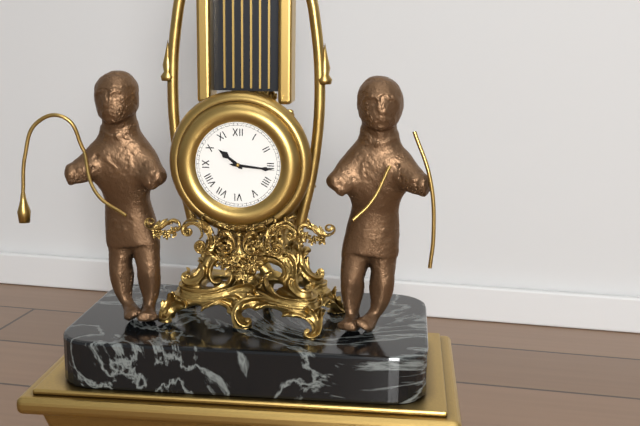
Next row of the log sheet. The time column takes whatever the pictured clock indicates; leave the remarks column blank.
10:16
